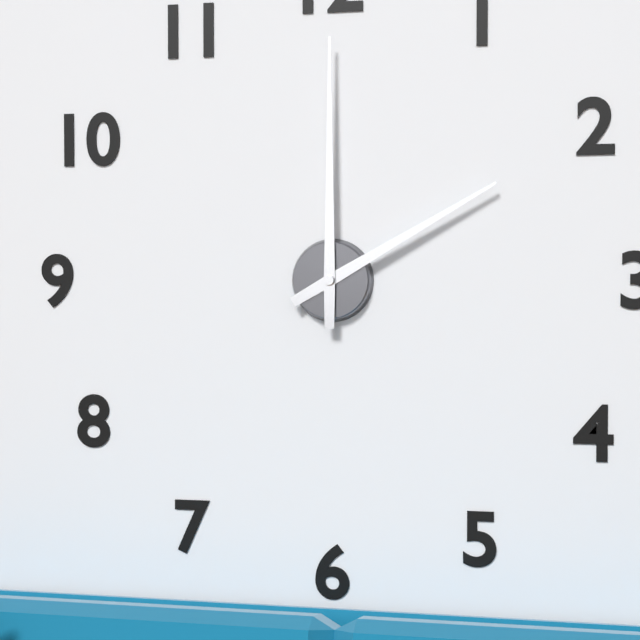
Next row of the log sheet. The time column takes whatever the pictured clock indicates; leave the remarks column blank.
2:00
